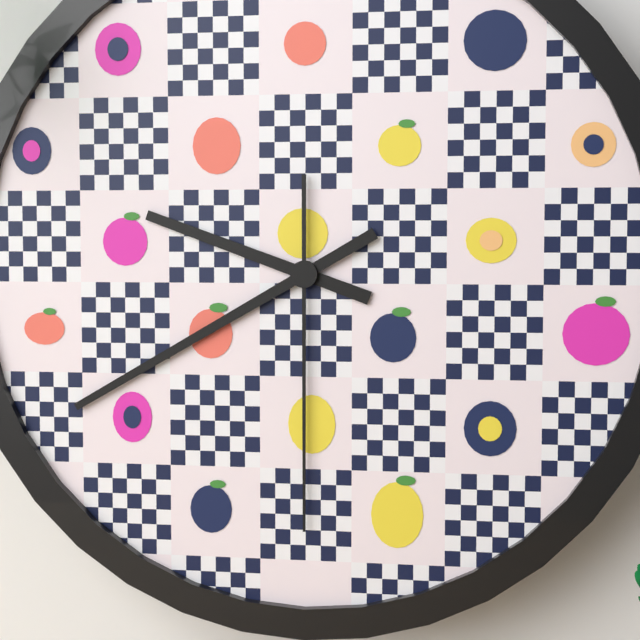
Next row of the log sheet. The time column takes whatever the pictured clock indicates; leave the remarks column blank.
9:40:30
